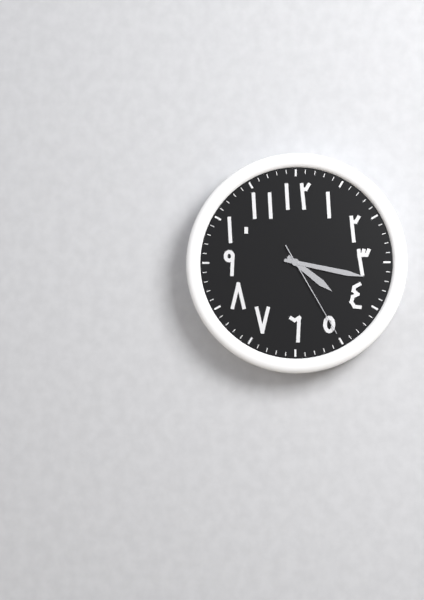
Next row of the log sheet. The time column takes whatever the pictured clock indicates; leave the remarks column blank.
4:17:25
